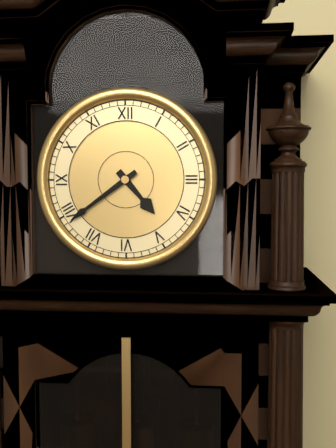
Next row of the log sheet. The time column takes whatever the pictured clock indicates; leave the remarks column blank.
4:39
